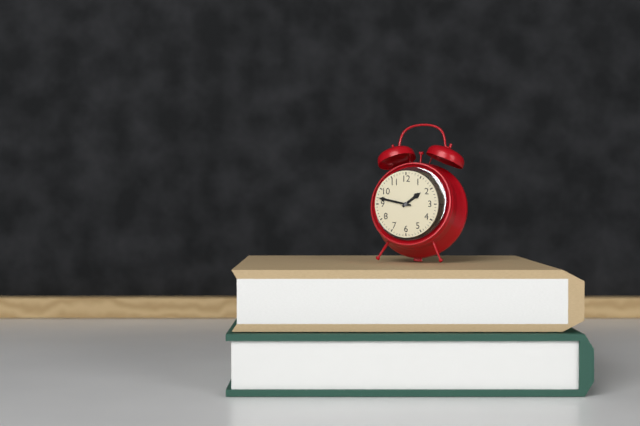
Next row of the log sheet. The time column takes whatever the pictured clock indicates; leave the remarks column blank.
1:47
